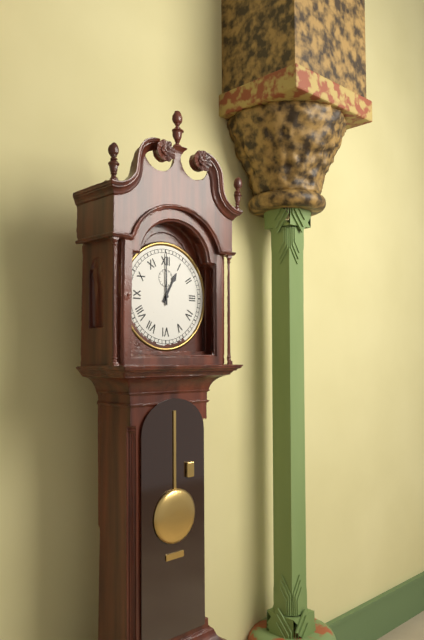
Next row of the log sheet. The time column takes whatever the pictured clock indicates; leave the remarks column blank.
1:00
